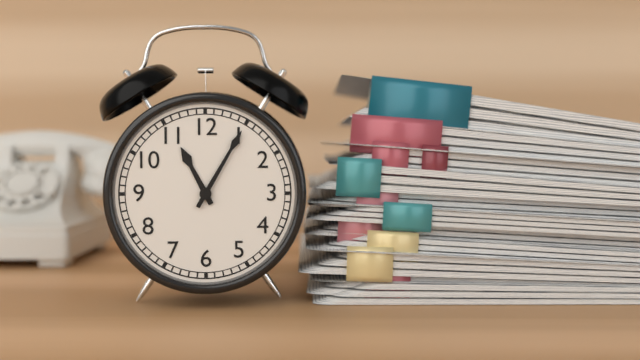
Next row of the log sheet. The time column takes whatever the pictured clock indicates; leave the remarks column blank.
11:05
